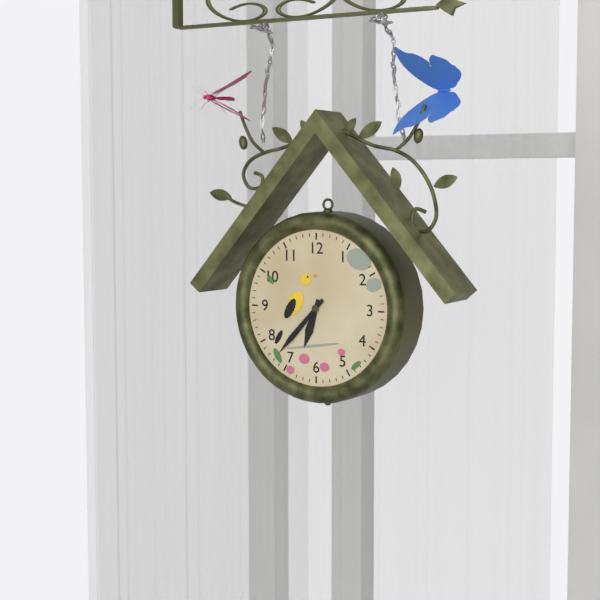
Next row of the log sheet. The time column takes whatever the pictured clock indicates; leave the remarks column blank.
6:37
